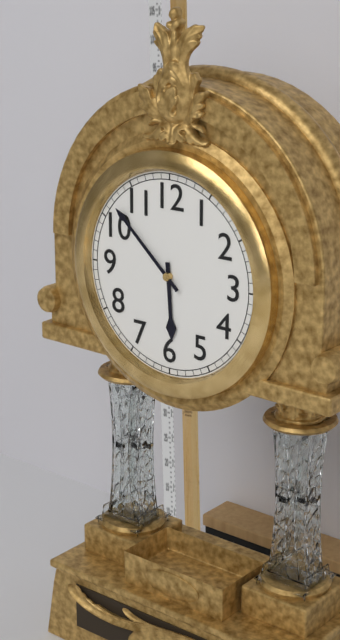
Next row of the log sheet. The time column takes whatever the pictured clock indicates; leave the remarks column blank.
5:52
